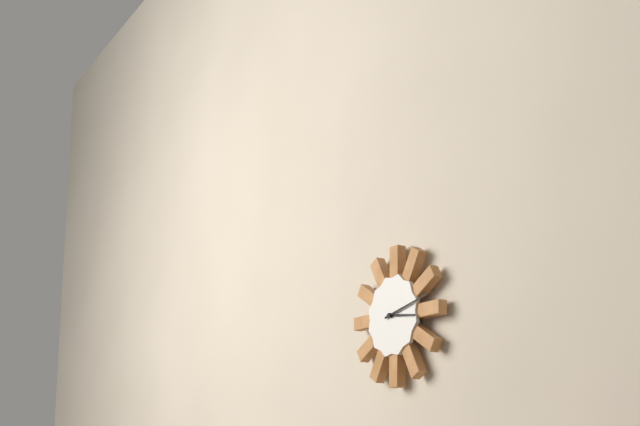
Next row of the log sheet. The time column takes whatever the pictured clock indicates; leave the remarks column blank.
3:13
